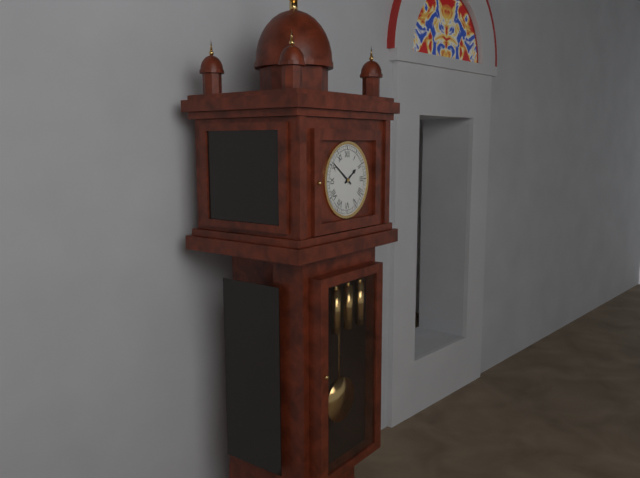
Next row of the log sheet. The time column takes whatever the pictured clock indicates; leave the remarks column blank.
1:51
